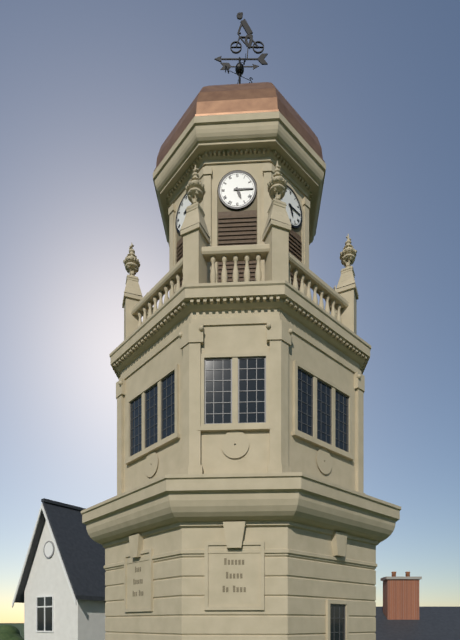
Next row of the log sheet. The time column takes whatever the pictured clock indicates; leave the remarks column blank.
5:15
